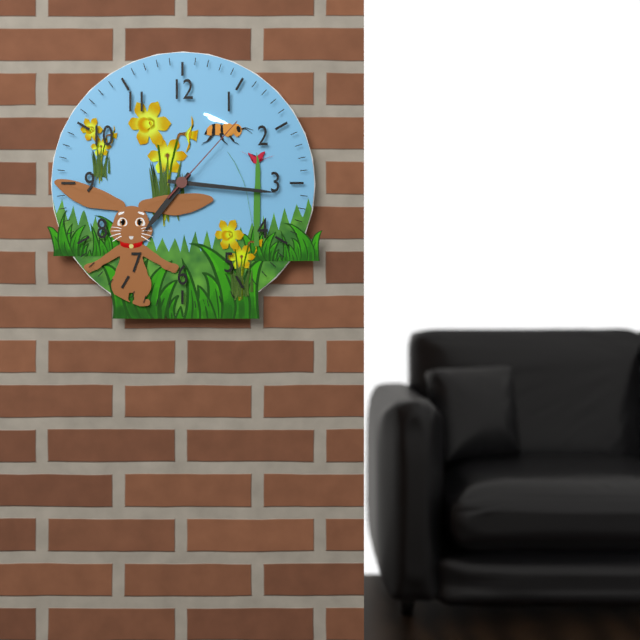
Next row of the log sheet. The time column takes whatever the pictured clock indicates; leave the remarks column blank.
7:16:07
